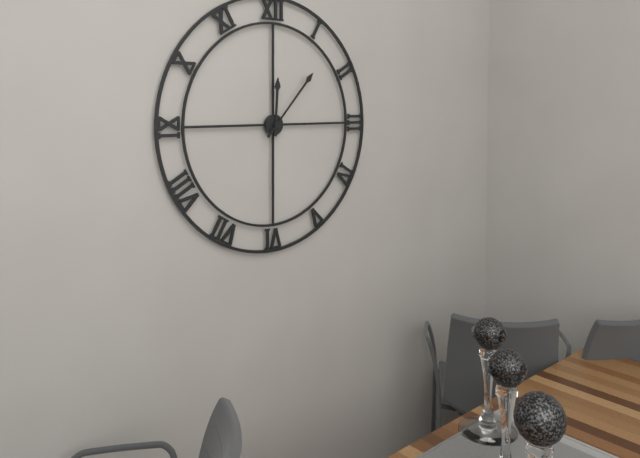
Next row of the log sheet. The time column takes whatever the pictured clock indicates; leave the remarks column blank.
12:07
